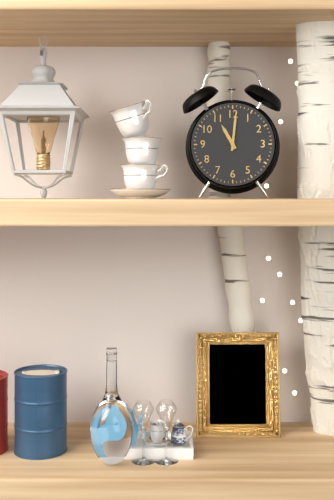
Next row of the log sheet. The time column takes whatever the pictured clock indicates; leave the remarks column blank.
11:01
